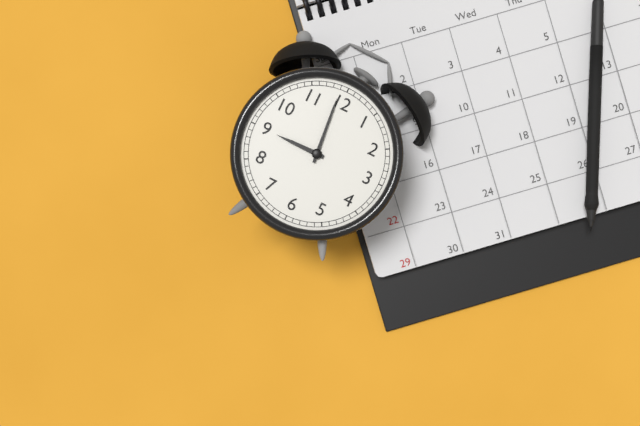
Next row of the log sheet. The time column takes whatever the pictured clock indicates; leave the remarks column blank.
8:59
